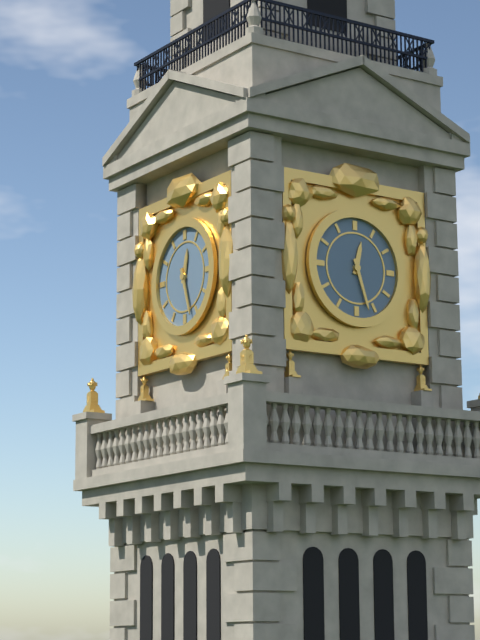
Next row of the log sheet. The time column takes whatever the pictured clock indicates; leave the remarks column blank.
12:27
